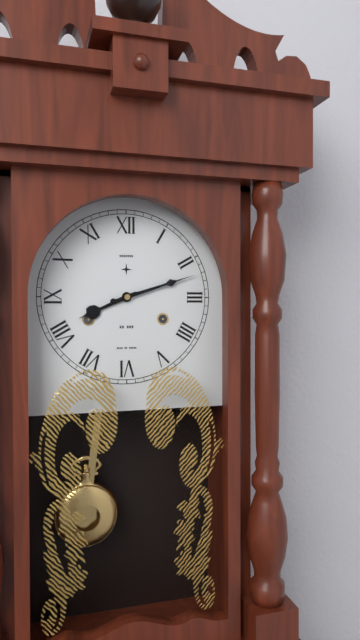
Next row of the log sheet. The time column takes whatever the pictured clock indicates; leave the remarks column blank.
8:12
